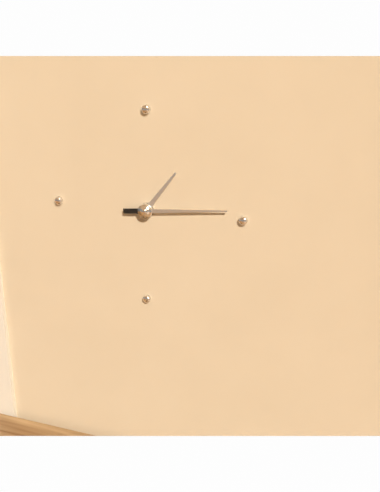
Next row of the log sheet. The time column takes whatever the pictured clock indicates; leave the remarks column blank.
1:14
